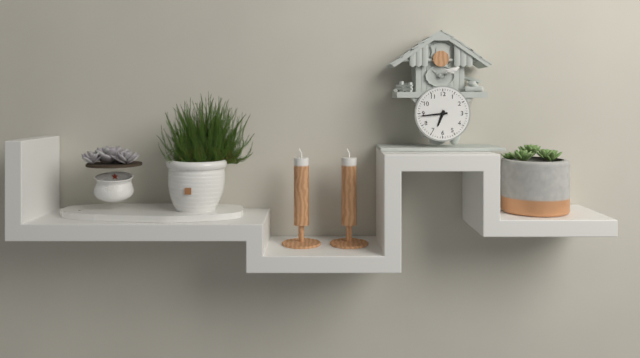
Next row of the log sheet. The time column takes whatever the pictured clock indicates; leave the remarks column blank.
6:44
